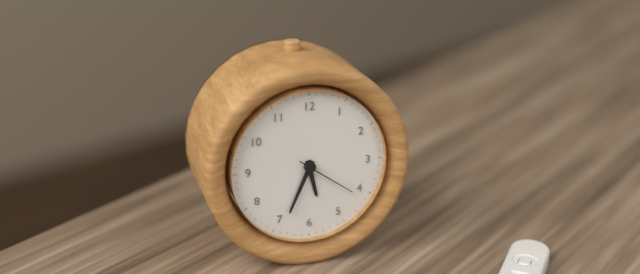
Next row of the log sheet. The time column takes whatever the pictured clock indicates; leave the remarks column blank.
5:34:21
